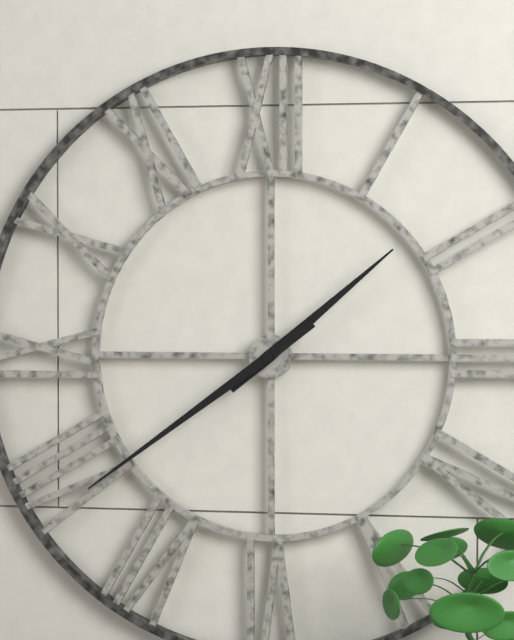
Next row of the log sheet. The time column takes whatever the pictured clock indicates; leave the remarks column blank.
1:39
